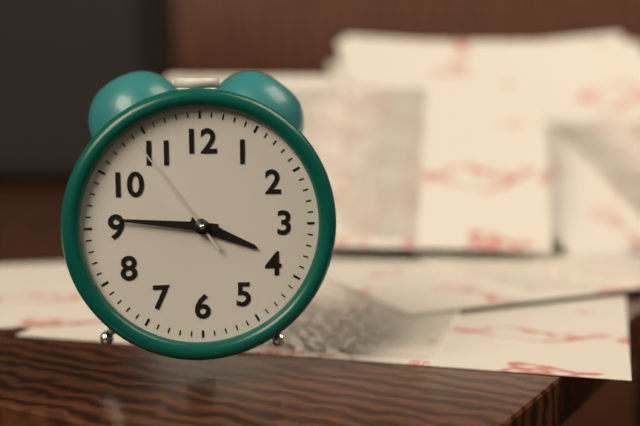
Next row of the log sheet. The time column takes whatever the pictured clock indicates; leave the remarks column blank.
3:46:54
